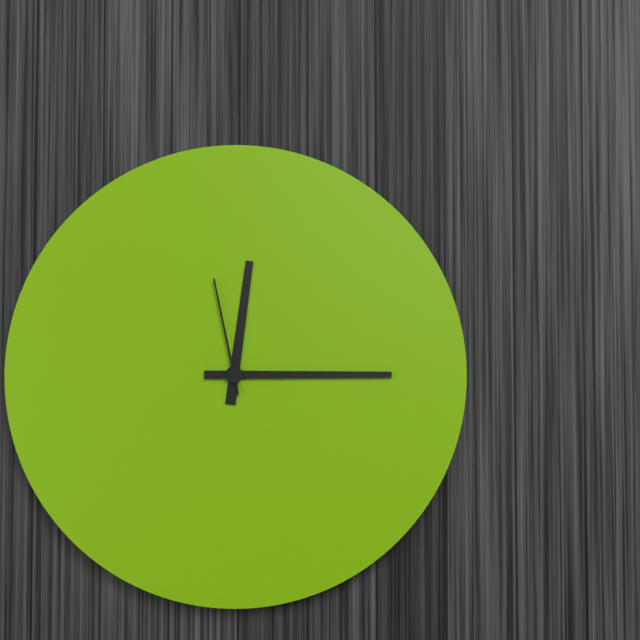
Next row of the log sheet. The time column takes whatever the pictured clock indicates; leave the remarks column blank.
12:15:58
